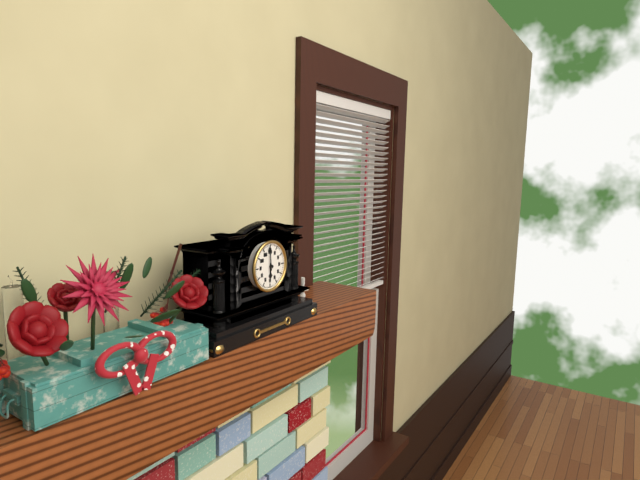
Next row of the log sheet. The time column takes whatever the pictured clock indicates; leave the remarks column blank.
5:59
